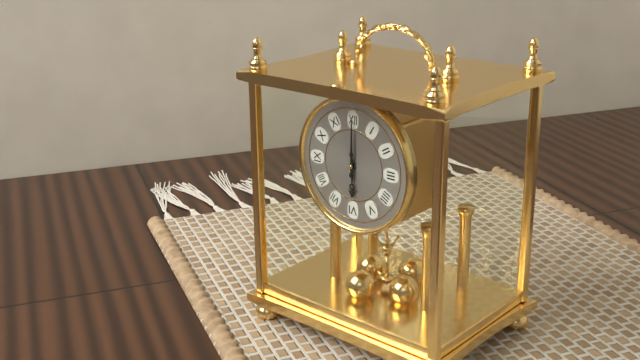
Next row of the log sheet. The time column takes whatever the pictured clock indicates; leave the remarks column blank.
6:00
